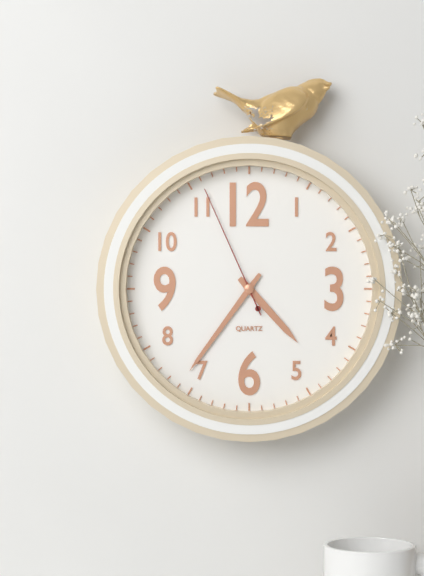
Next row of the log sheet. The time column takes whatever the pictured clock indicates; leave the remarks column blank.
4:36:56
